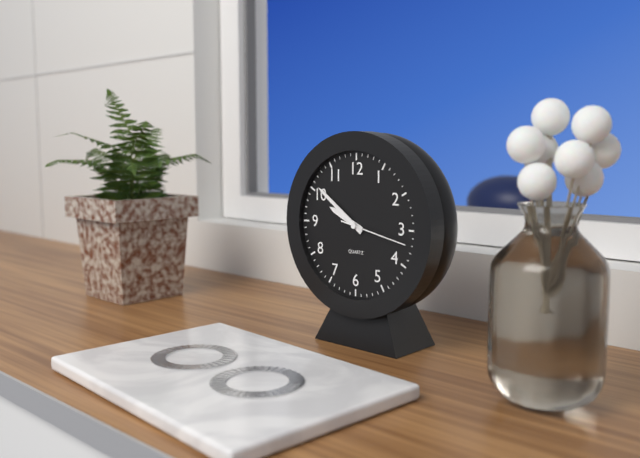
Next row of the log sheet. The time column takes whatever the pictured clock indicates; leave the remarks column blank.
9:51:17
